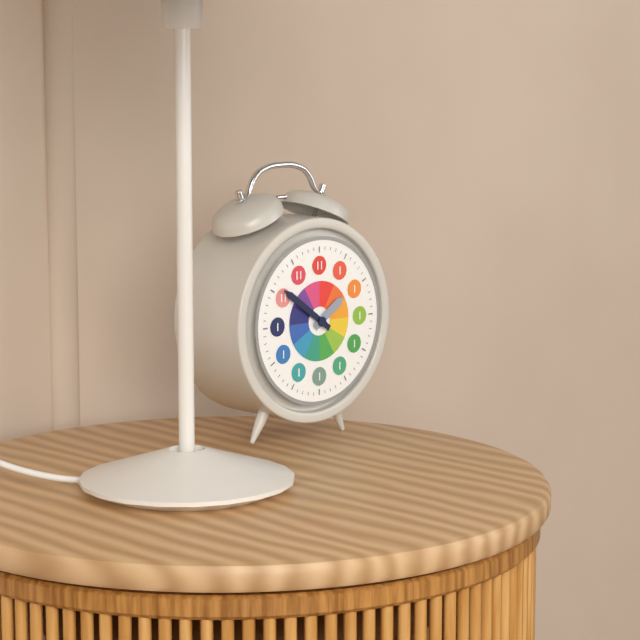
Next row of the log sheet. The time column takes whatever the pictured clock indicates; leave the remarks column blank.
1:51
